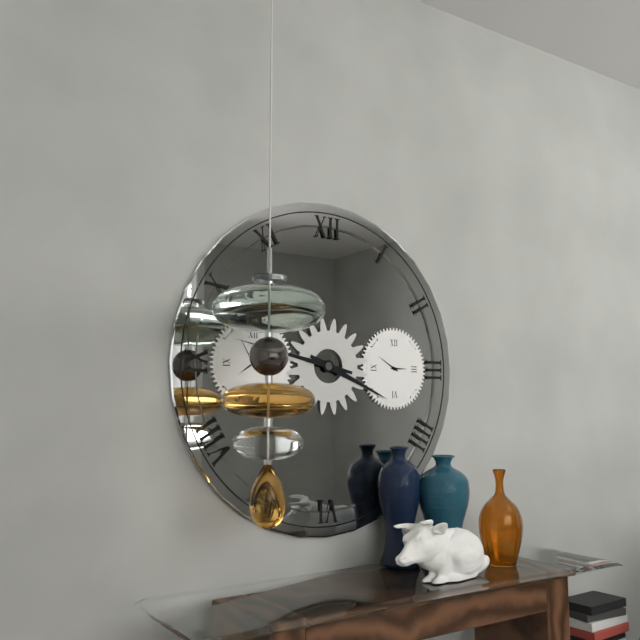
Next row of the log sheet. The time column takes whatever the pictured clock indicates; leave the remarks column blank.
3:47
